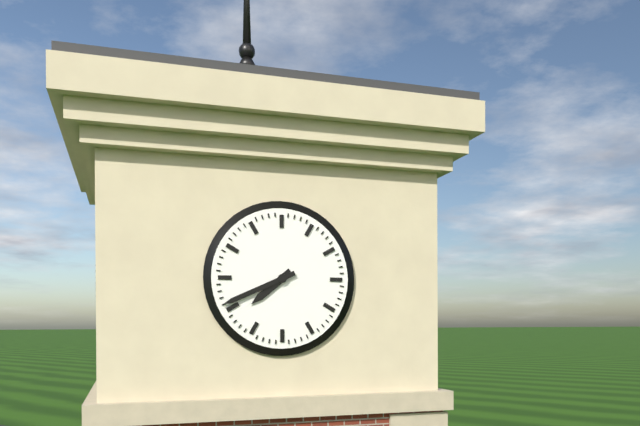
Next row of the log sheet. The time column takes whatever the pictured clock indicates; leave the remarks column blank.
7:41
